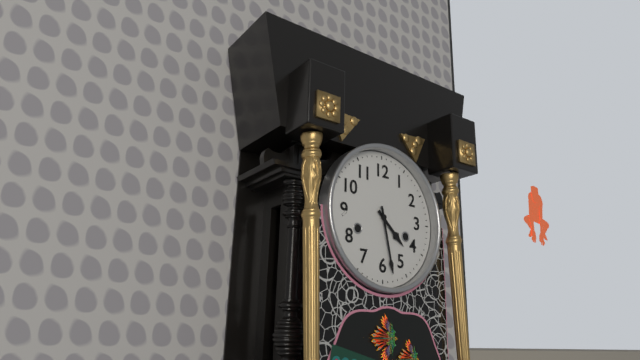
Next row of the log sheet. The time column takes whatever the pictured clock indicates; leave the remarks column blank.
4:28
